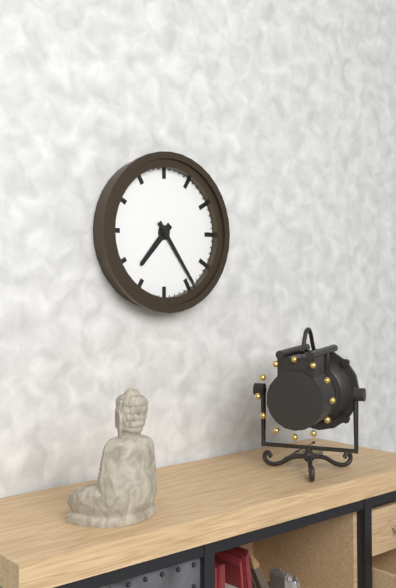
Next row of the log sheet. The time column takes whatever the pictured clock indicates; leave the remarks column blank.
7:24
